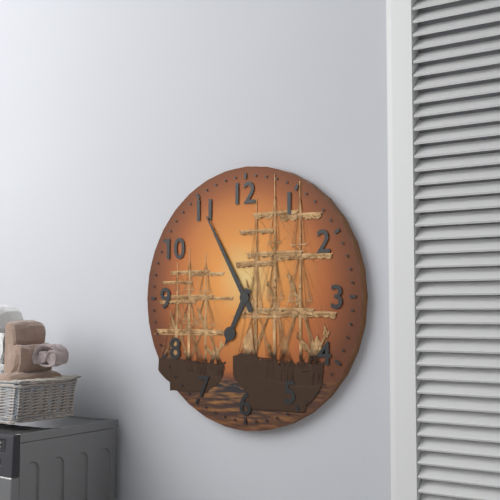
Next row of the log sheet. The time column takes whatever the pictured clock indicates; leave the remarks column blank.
6:55
